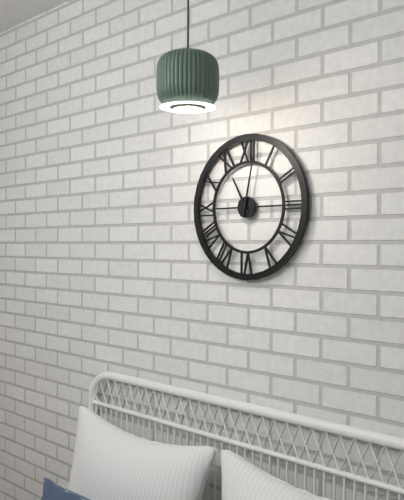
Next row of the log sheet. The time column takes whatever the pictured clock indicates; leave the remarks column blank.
11:02
